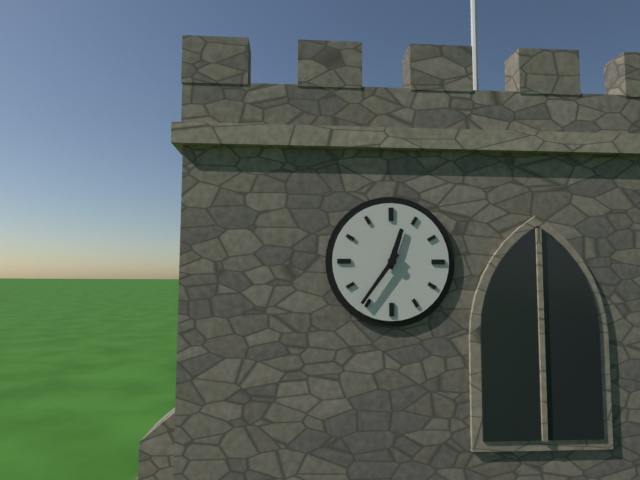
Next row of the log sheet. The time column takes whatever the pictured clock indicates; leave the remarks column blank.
12:36
